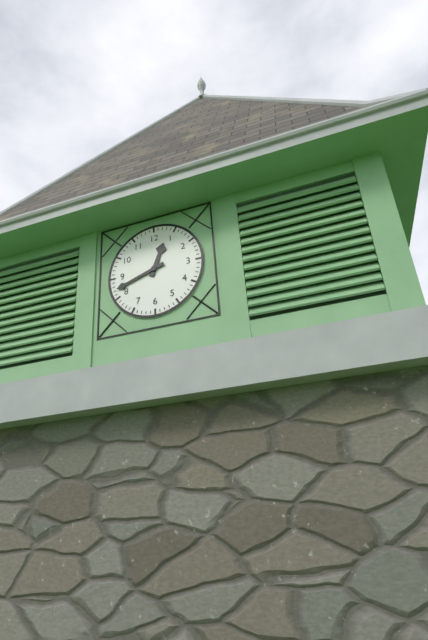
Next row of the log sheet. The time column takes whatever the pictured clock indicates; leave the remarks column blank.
12:42
